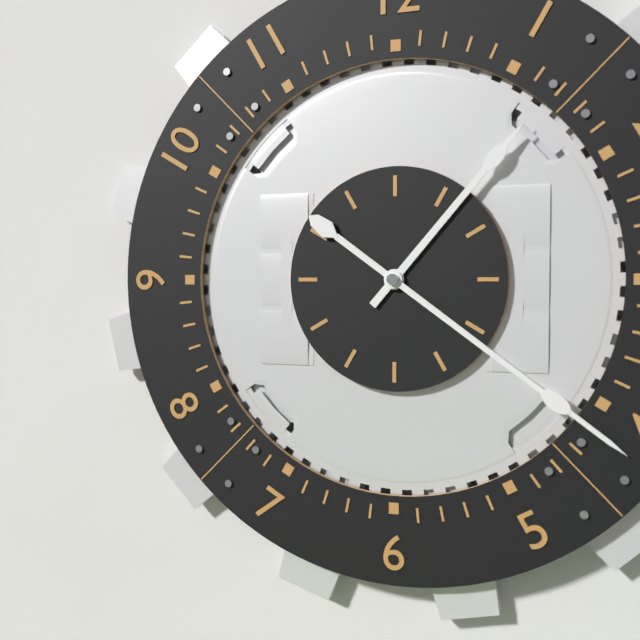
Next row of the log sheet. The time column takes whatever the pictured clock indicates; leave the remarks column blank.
1:21
